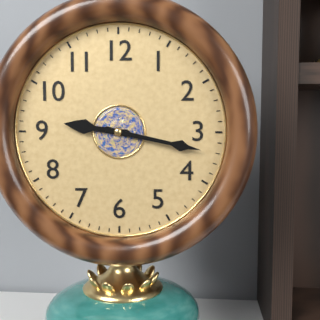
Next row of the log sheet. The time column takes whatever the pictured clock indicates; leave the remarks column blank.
9:17
